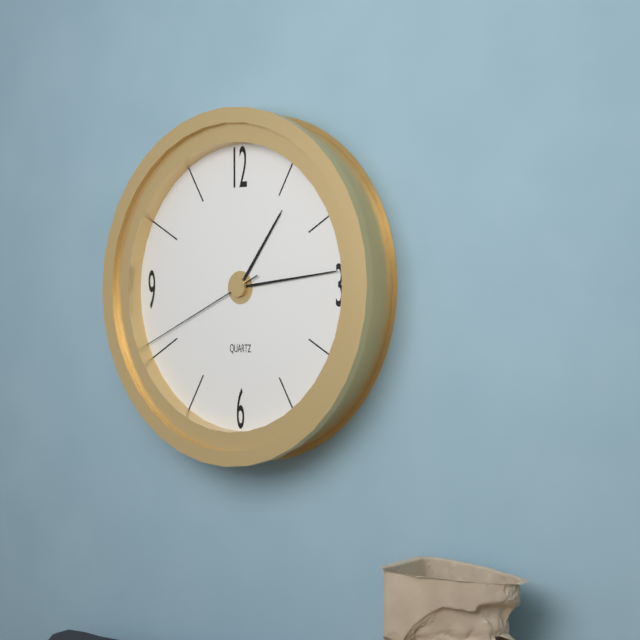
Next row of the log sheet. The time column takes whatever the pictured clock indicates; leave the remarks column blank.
1:14:41
